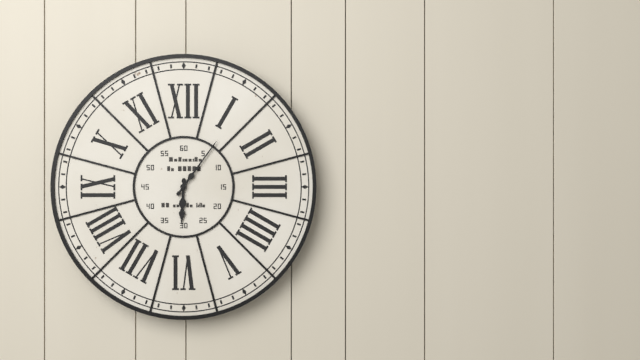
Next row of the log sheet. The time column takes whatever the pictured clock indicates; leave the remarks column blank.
6:06
